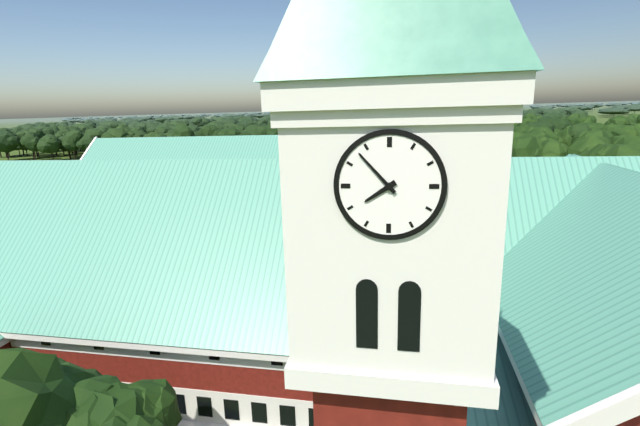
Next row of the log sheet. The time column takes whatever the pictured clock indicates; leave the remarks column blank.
7:53
